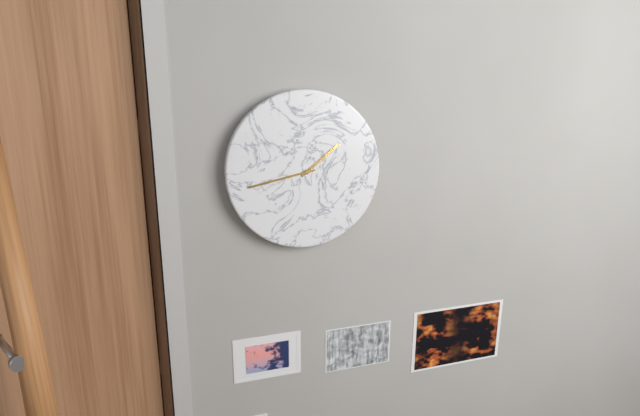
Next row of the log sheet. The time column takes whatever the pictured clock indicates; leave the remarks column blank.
1:43
